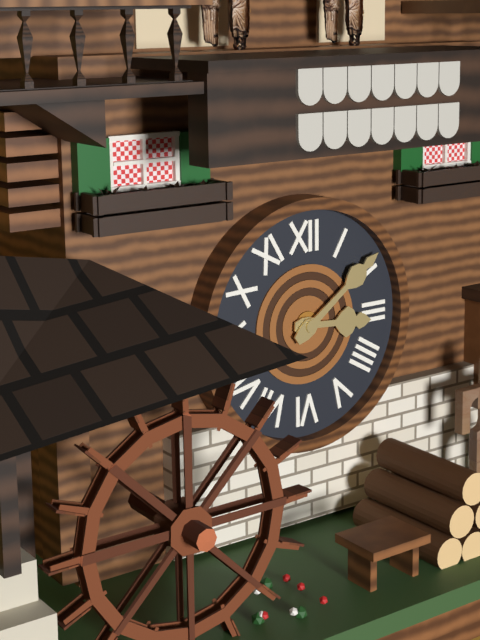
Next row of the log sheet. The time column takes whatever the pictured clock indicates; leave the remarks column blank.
3:09
